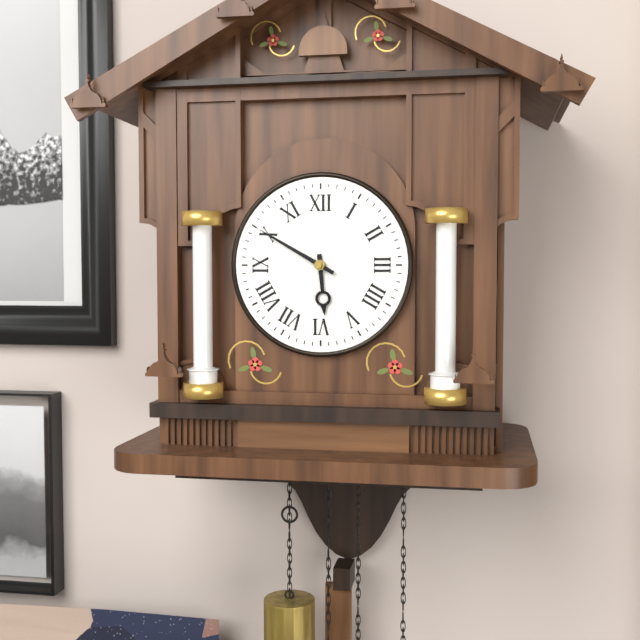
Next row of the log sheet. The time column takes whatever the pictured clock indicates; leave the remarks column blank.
5:50
